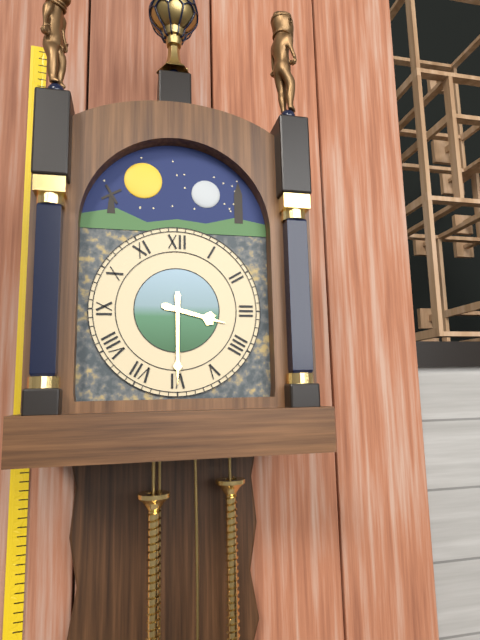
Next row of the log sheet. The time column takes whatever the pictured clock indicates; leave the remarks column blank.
3:30
